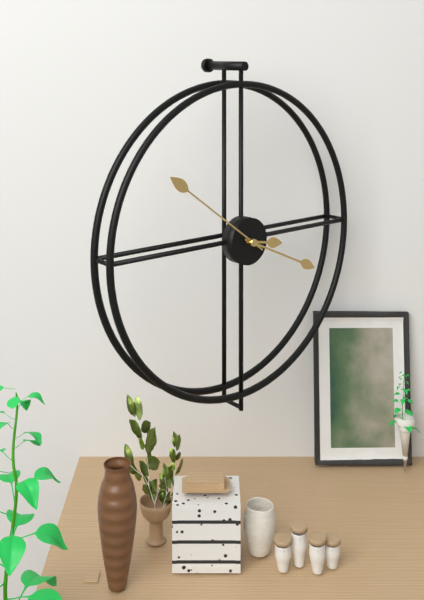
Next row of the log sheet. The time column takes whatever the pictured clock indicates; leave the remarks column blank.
3:19:51
